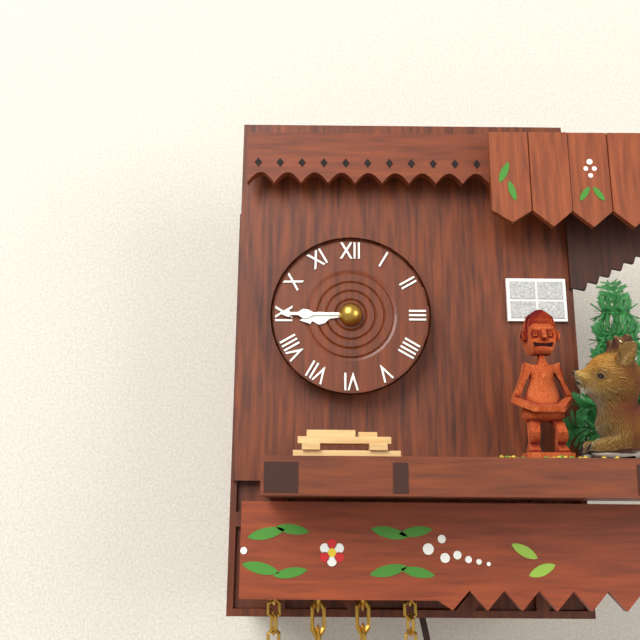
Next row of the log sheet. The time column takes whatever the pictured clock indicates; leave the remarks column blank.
8:45
